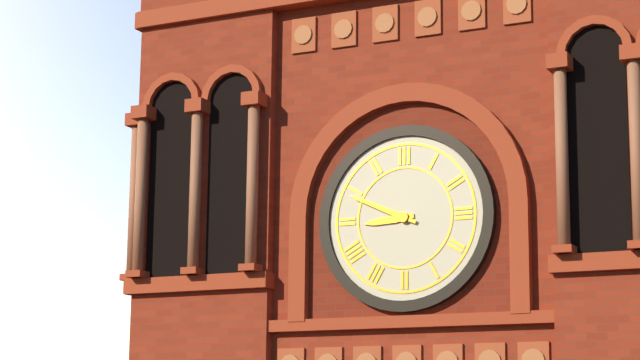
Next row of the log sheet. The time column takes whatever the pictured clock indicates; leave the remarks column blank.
8:49
